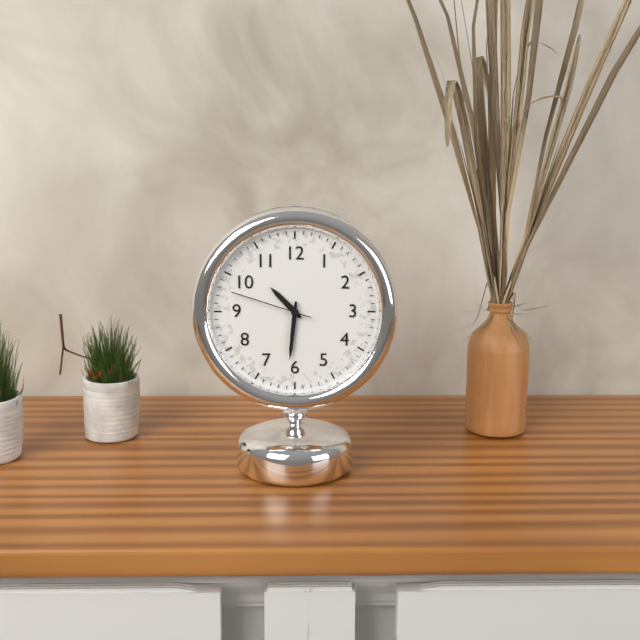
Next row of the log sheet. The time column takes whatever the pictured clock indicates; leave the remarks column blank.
10:31:48
